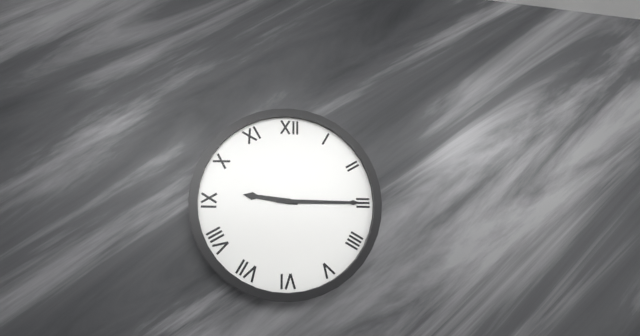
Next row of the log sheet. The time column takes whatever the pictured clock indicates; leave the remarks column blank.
9:15
